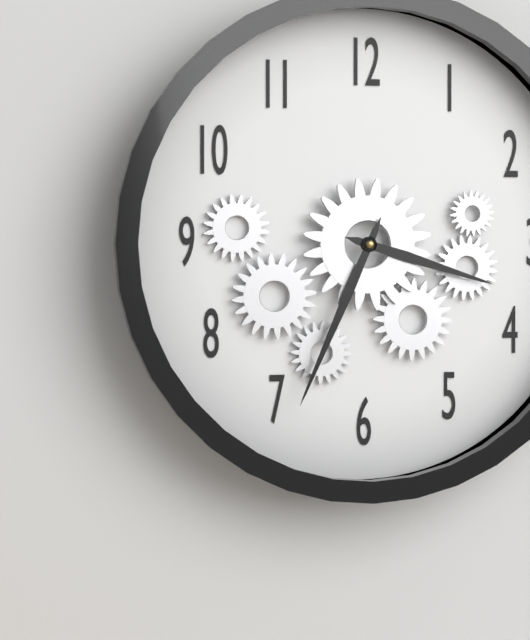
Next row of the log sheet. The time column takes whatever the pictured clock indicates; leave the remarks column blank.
3:34
